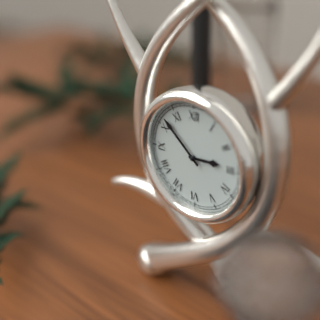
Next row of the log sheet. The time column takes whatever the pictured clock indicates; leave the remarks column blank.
2:52
